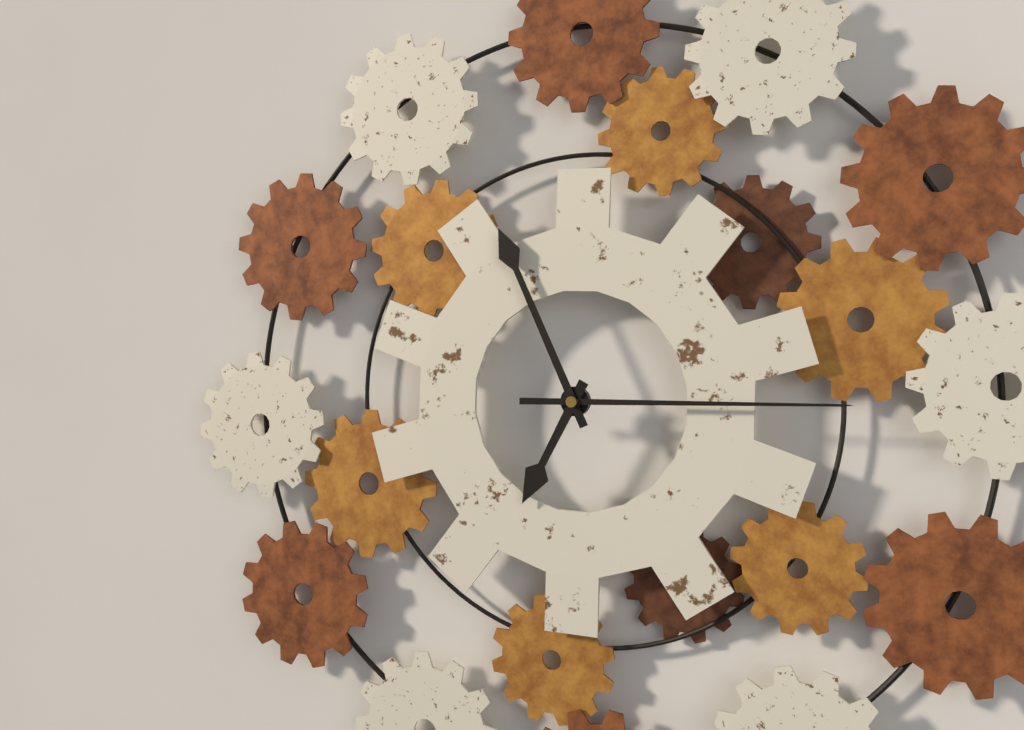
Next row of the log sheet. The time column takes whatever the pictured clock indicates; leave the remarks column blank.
6:56:15
